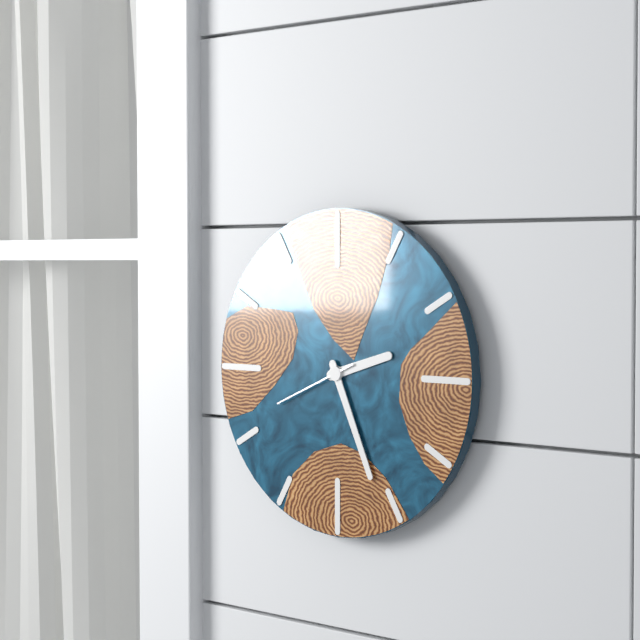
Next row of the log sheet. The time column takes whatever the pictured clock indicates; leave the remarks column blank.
2:26:41
